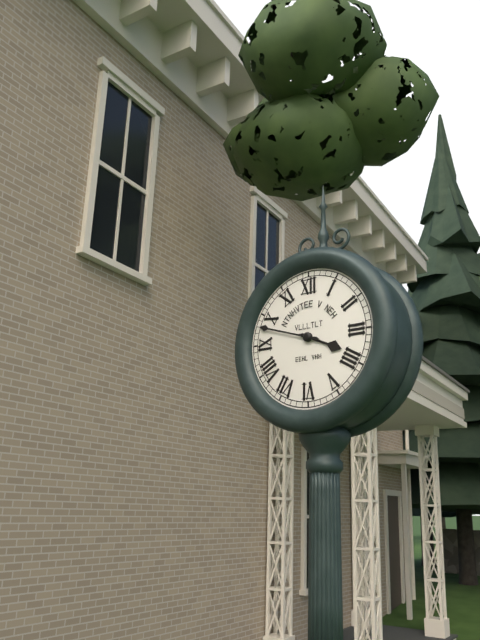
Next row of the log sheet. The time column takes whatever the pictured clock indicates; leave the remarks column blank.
3:48
